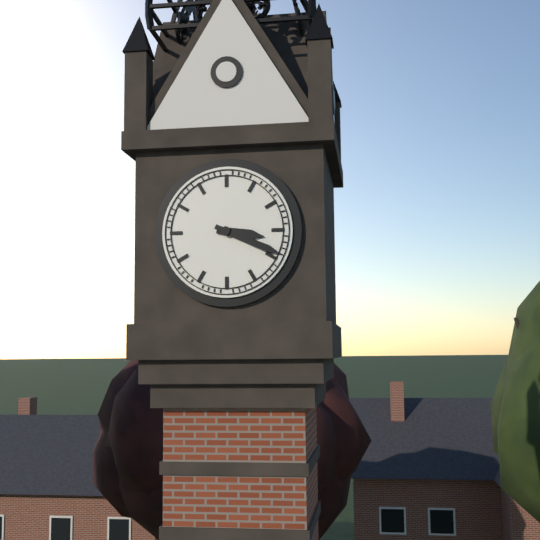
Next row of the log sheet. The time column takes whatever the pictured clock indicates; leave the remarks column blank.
3:19
